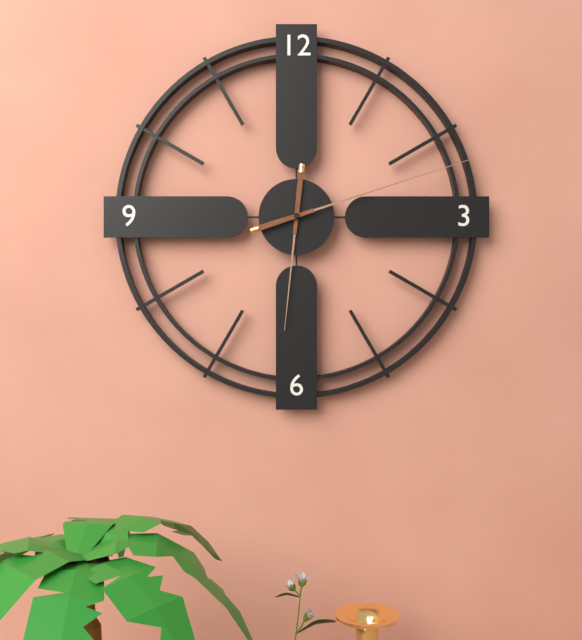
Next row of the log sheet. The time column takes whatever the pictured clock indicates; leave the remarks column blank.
6:12
